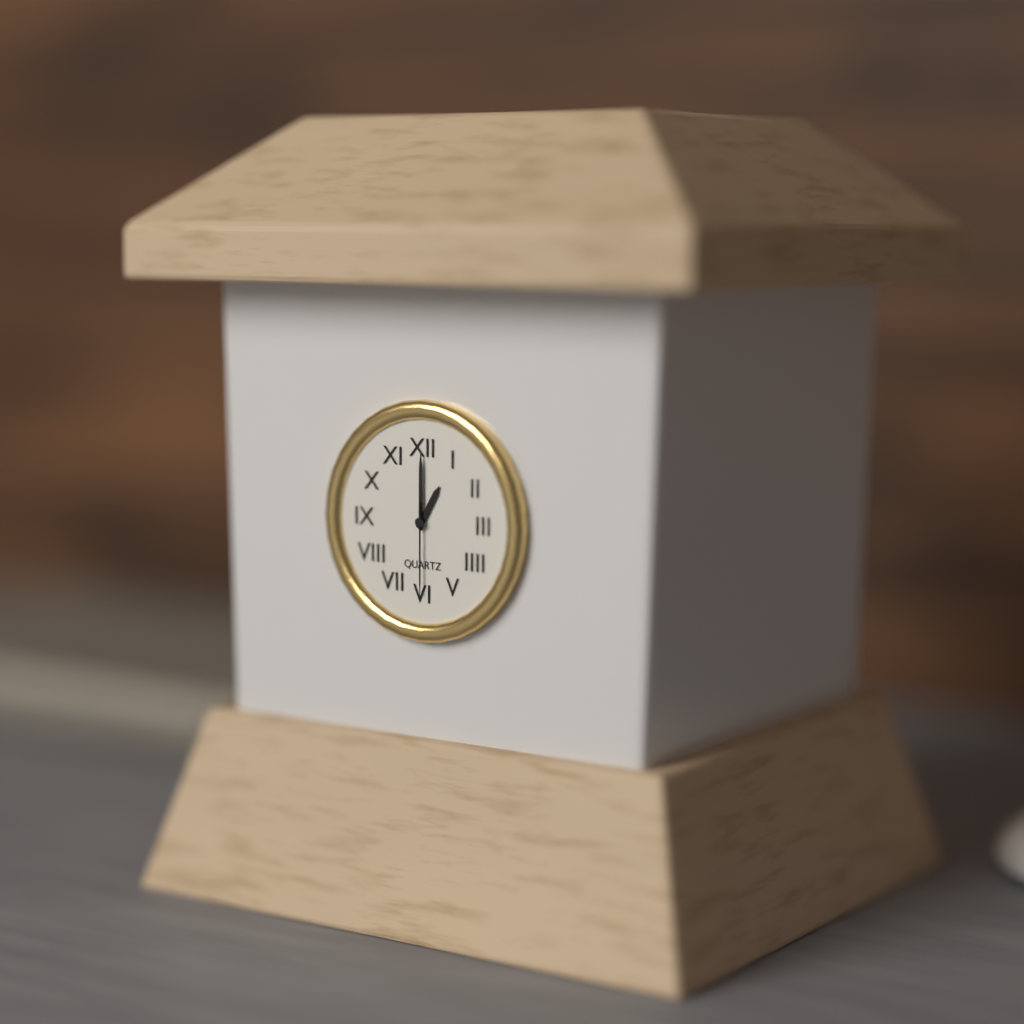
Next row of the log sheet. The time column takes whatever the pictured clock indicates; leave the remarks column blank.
1:00:30
